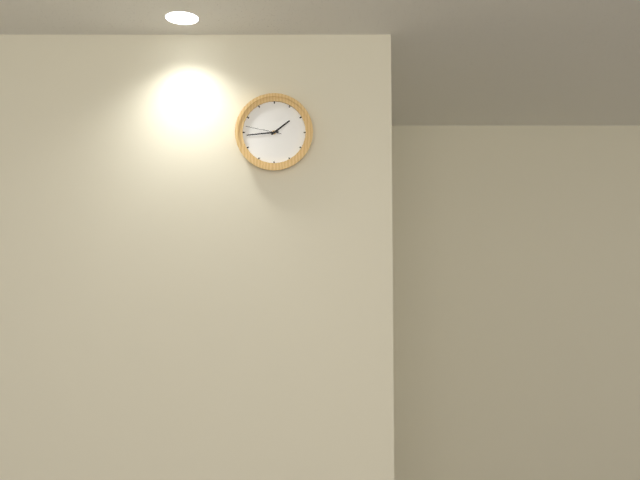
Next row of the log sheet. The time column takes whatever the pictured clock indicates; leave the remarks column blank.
1:44
